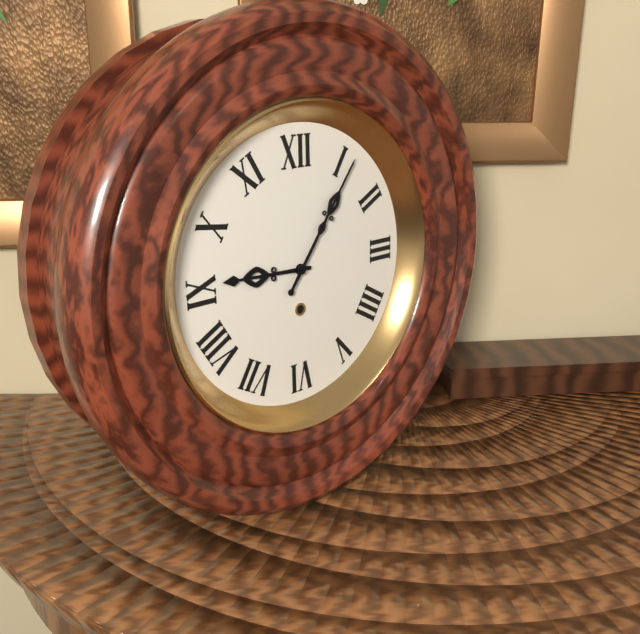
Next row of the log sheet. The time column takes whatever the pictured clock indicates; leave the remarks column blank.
9:06
